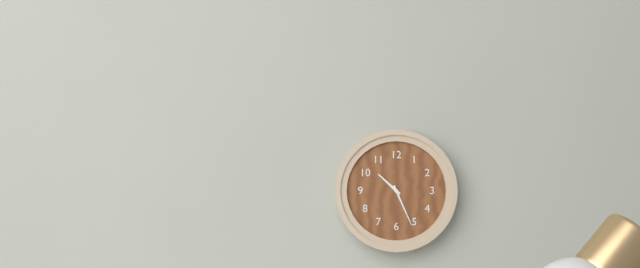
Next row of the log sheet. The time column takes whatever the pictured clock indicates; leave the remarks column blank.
10:26
